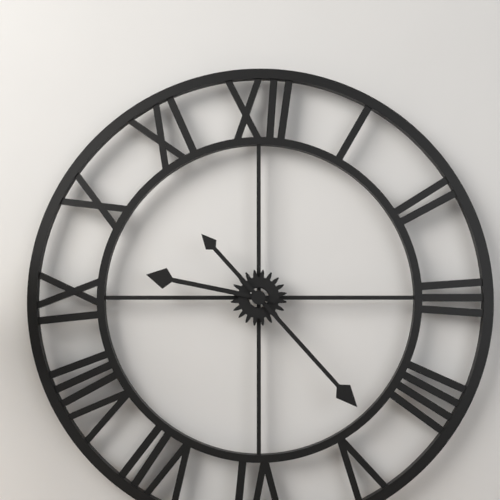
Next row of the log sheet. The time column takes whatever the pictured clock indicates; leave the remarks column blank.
9:23
